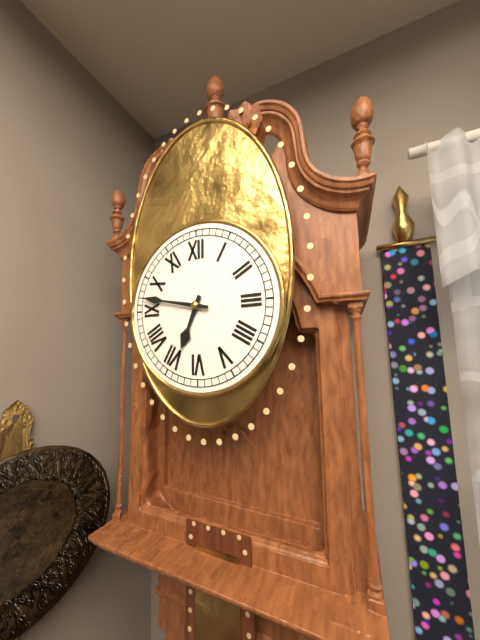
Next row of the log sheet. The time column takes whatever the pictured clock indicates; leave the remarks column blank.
6:47
